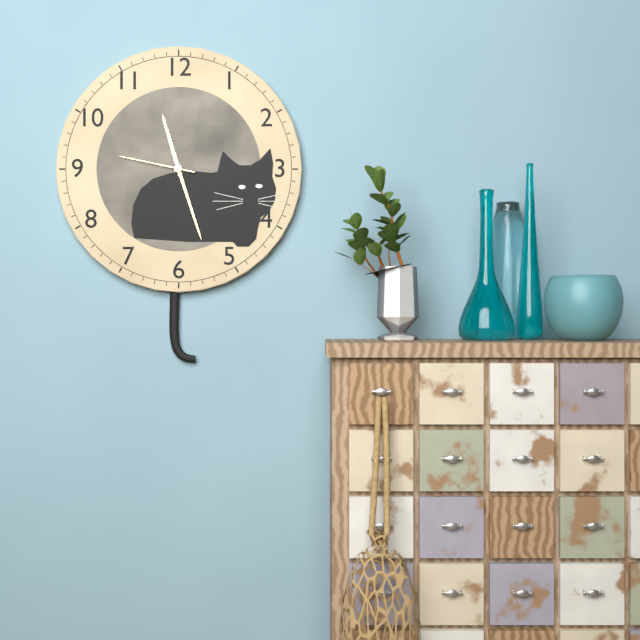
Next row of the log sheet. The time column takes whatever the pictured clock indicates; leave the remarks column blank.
11:27:47
